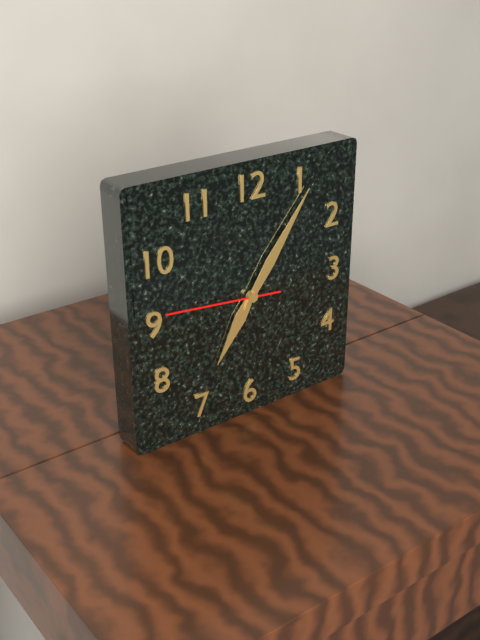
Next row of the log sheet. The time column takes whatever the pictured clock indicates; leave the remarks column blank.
7:06:46
